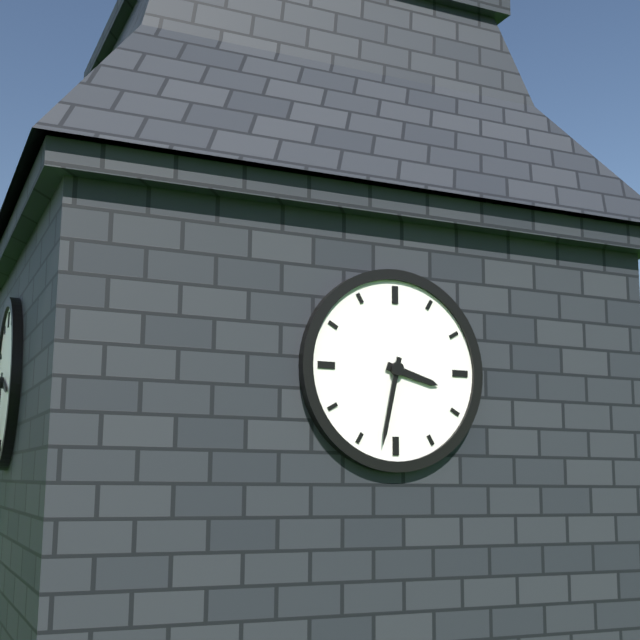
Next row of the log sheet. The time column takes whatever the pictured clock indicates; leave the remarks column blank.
3:32
